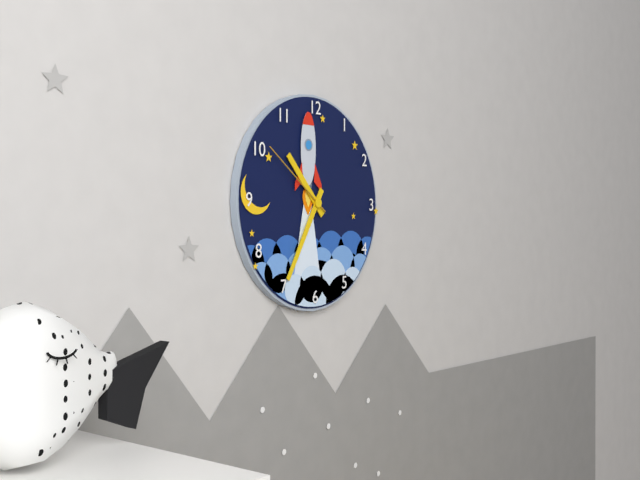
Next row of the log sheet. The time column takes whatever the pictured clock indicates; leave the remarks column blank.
10:35:51
